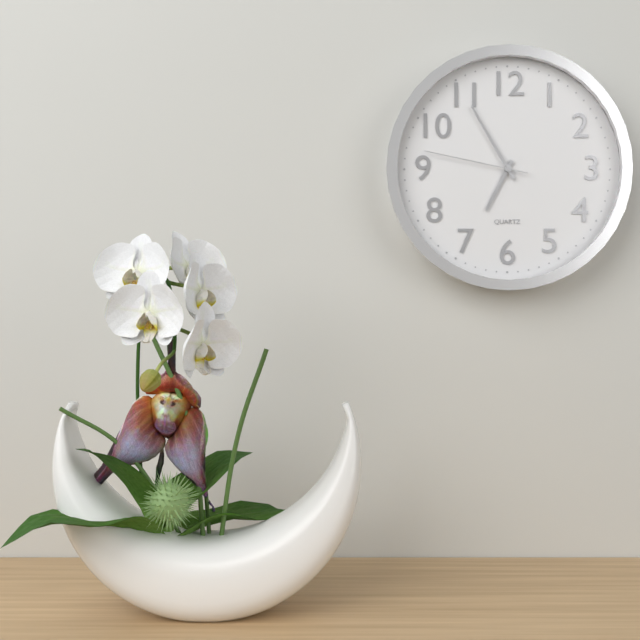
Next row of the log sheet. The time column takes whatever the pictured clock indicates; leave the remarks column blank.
6:55:47
